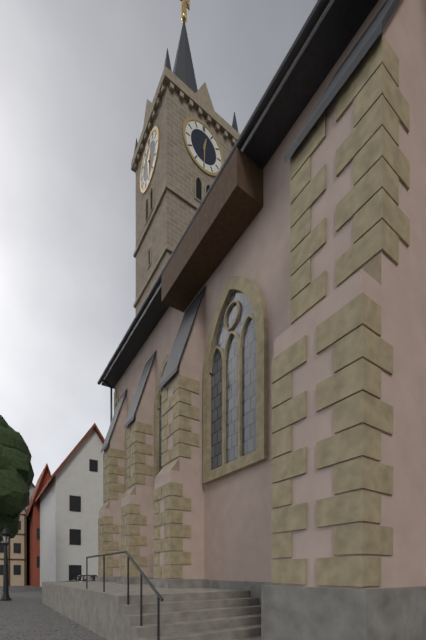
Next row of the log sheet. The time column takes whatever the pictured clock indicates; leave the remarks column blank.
12:30
